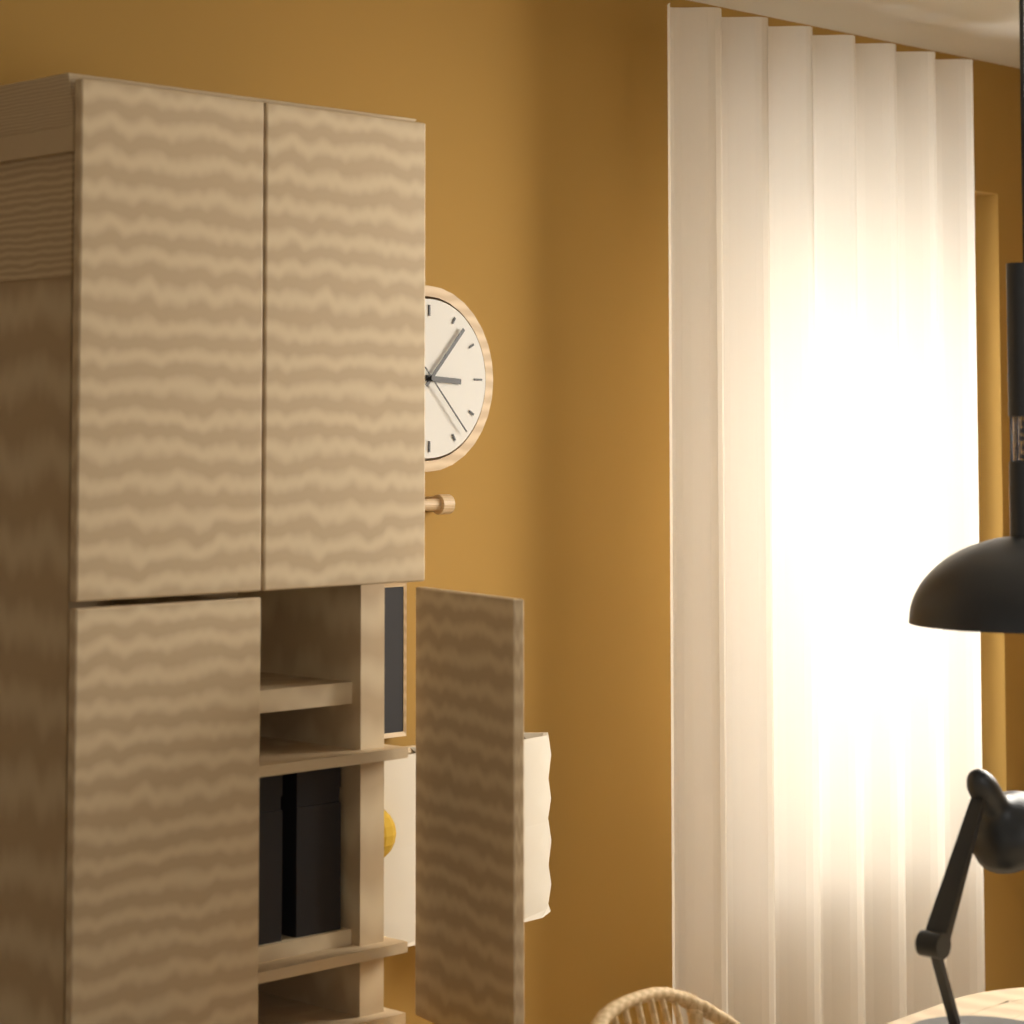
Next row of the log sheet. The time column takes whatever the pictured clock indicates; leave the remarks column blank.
3:07:23
